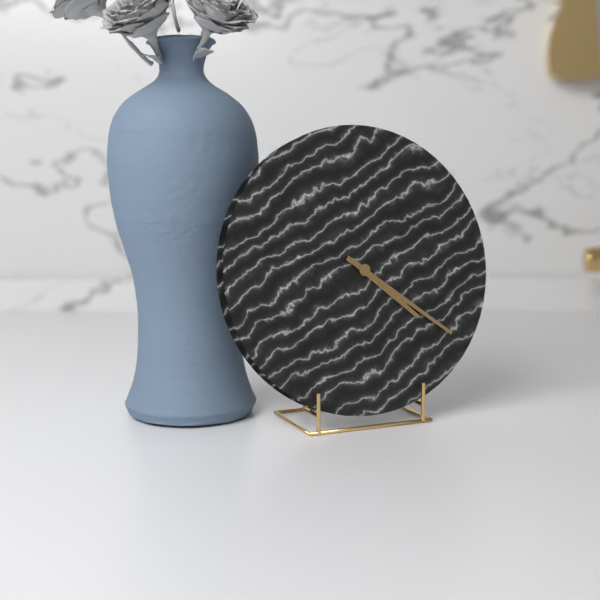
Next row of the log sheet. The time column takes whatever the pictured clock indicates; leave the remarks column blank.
4:21
